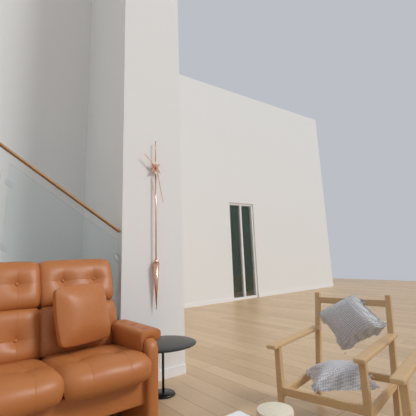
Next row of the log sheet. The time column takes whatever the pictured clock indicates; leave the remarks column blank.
10:28
